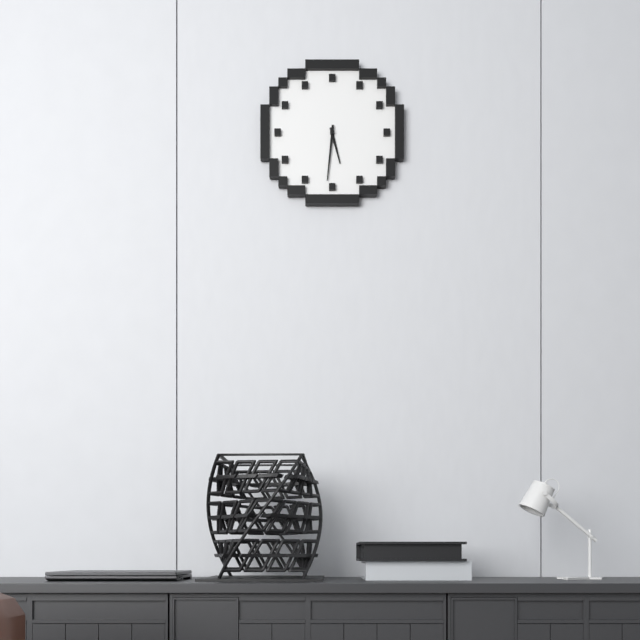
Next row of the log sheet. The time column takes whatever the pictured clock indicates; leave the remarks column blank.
5:31
